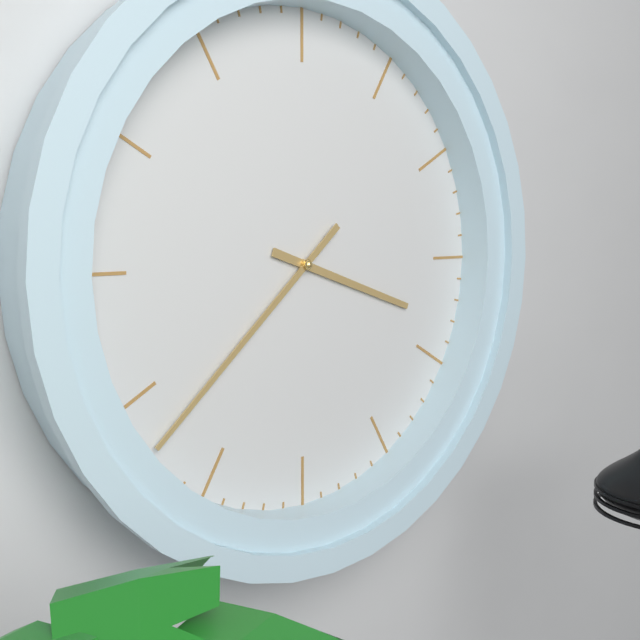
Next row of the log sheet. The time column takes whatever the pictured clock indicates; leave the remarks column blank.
3:38
